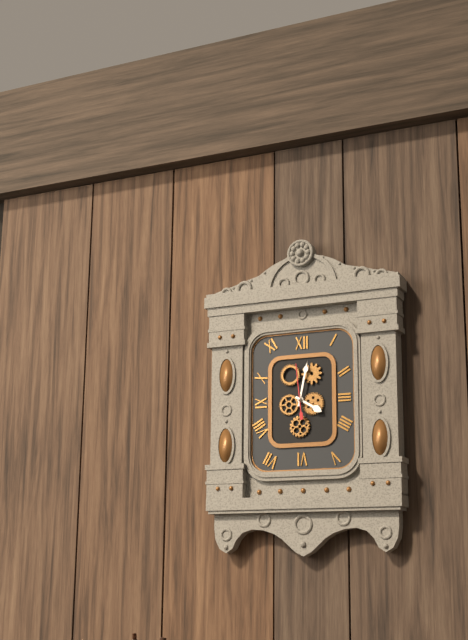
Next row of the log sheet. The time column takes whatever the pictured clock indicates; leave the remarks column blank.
4:02
